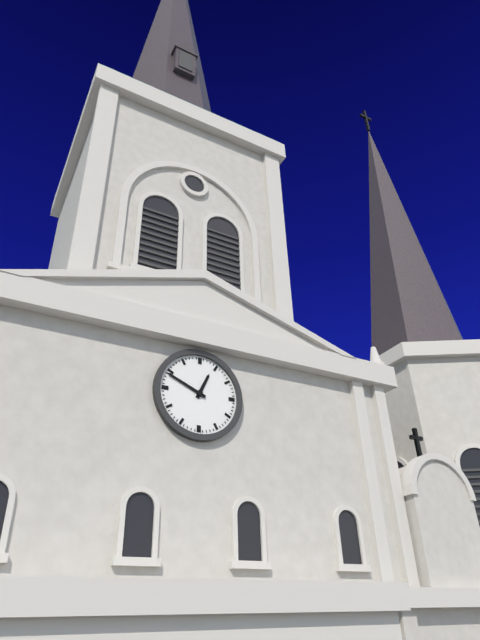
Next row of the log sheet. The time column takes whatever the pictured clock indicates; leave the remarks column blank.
12:49
